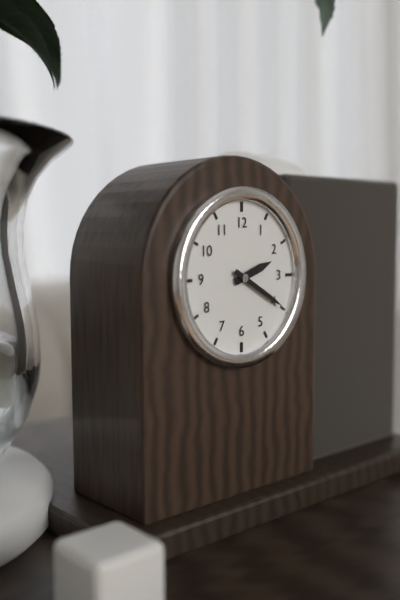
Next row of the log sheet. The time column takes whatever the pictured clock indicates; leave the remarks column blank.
2:20
